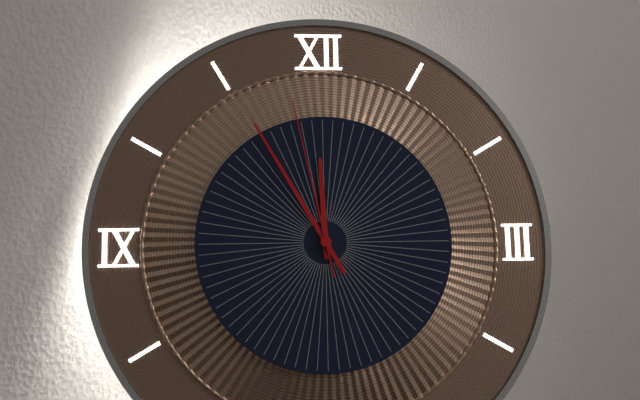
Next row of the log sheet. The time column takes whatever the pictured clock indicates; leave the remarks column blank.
11:55:58
